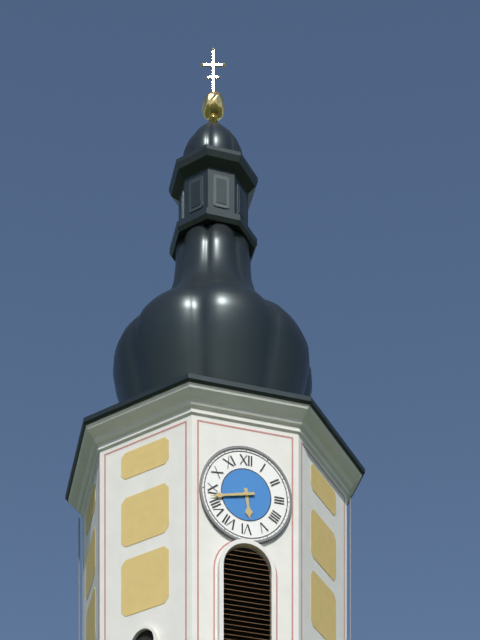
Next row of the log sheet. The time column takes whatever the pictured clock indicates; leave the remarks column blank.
5:43
